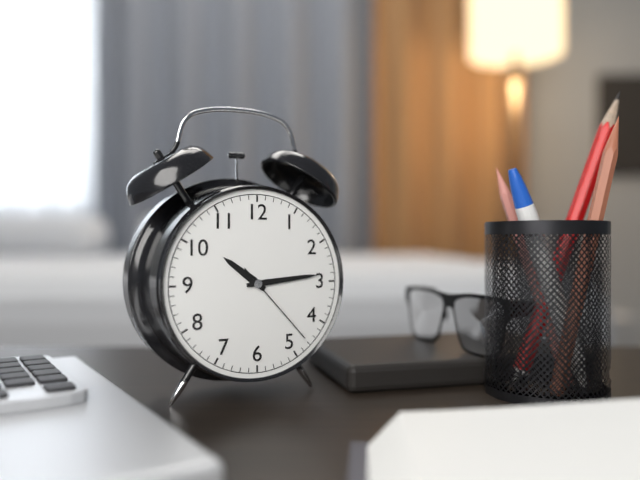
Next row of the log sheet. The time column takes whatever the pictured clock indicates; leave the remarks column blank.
10:14:23
